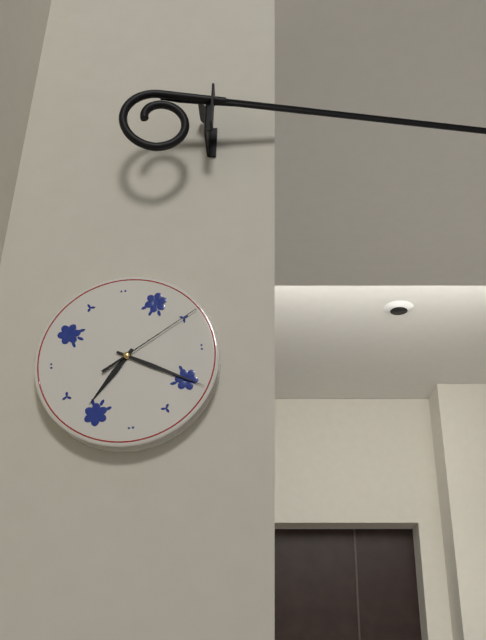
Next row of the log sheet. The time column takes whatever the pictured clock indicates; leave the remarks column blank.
7:20:10
